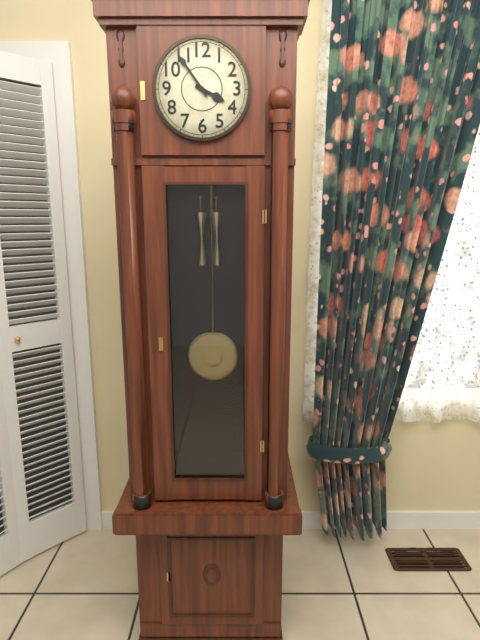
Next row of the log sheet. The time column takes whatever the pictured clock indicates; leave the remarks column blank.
3:54
